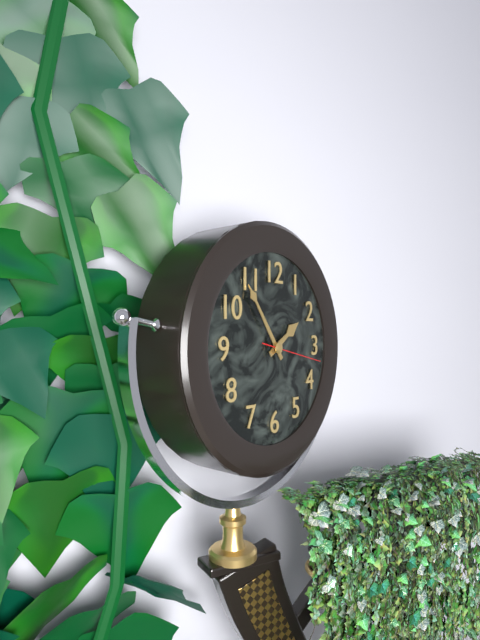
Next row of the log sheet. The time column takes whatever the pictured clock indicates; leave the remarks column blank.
1:54:17
